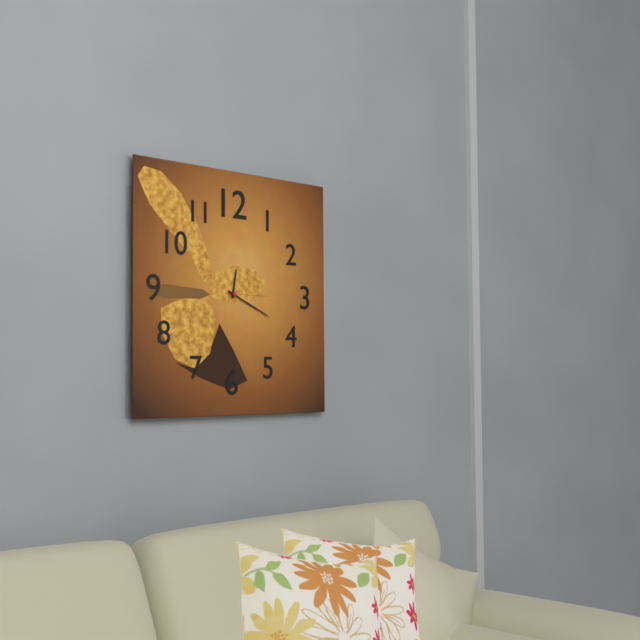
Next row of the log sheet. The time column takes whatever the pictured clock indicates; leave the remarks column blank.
12:19
